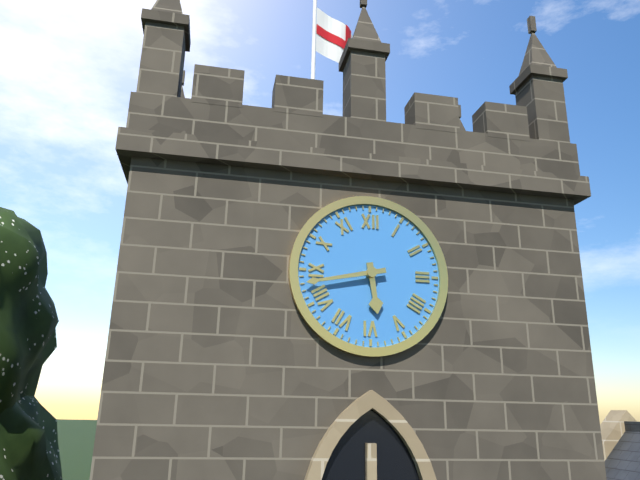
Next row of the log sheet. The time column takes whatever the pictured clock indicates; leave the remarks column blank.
5:43
